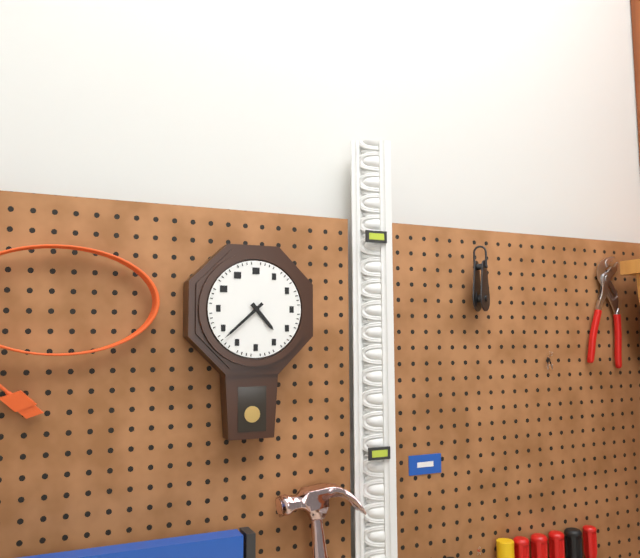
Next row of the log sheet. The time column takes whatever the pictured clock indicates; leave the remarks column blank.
4:38
